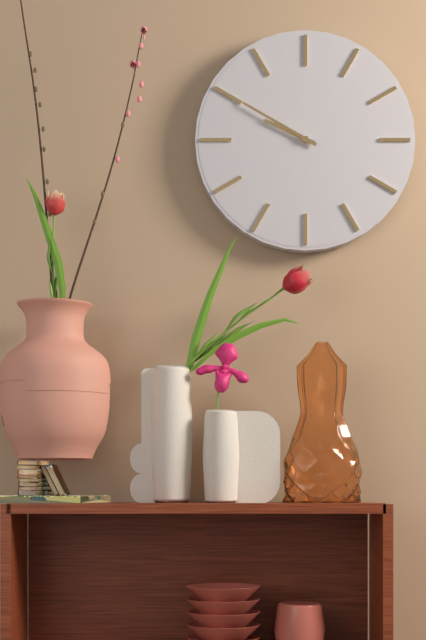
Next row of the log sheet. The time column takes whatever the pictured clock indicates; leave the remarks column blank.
9:50
